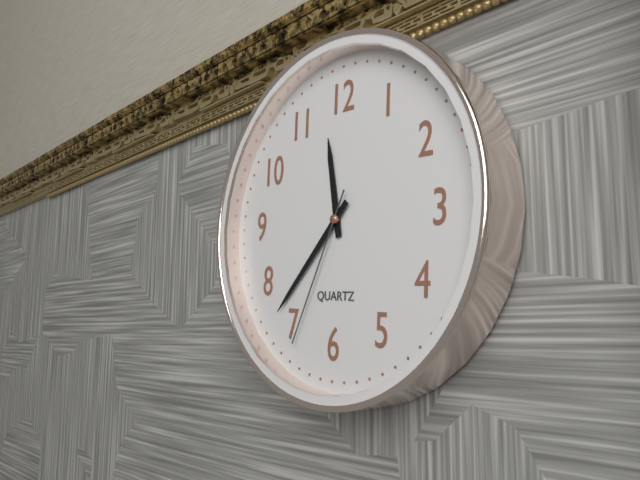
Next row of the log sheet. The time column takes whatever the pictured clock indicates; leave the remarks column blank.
11:37:34
